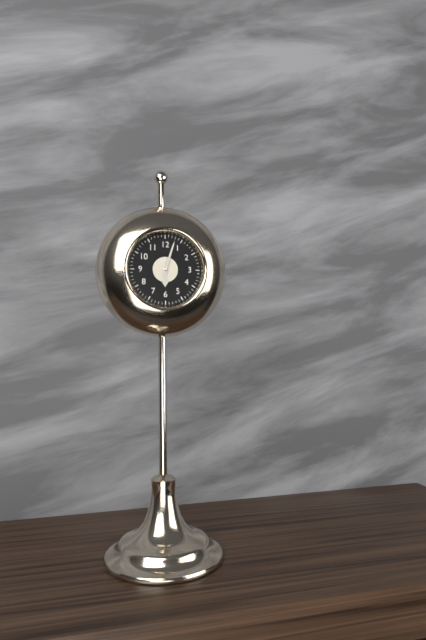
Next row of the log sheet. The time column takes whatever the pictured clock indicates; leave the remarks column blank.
6:03
